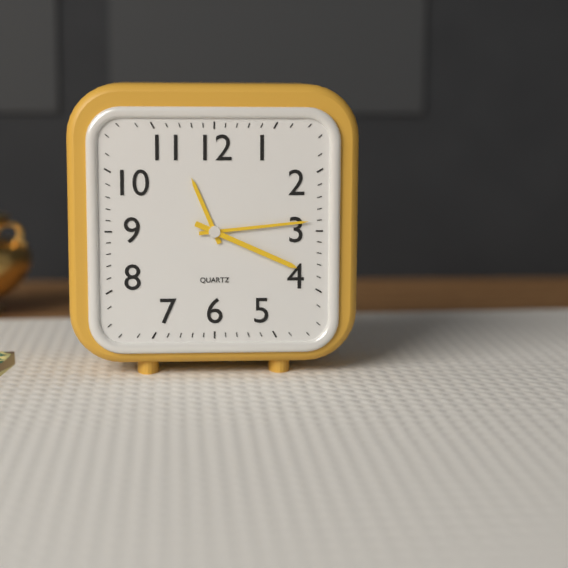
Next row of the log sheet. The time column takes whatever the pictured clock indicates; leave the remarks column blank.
11:14:19
